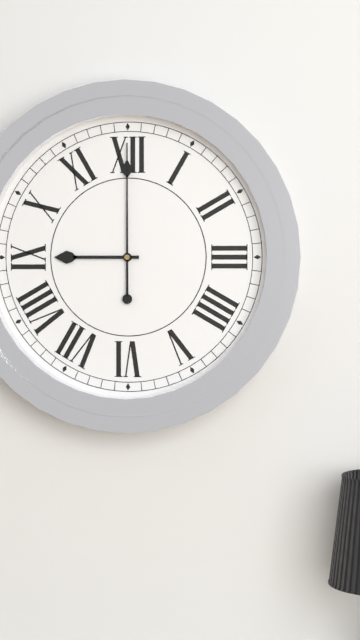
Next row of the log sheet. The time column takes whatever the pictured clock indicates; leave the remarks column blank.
9:00
